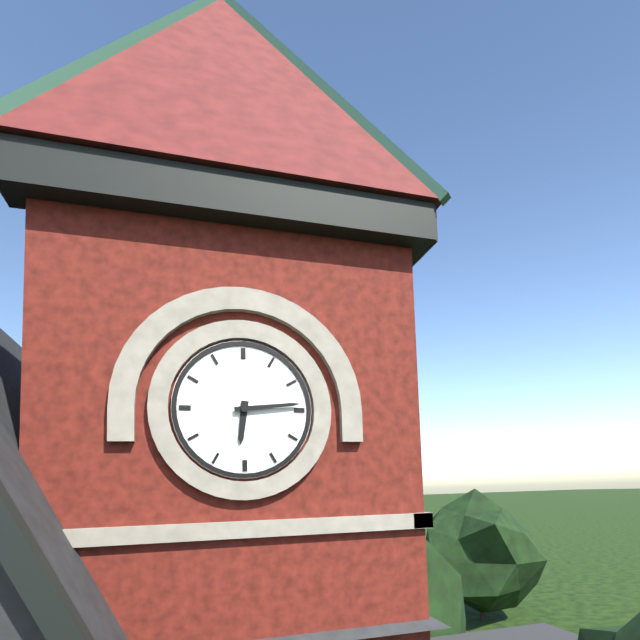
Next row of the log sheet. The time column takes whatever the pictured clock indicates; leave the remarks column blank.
6:14
